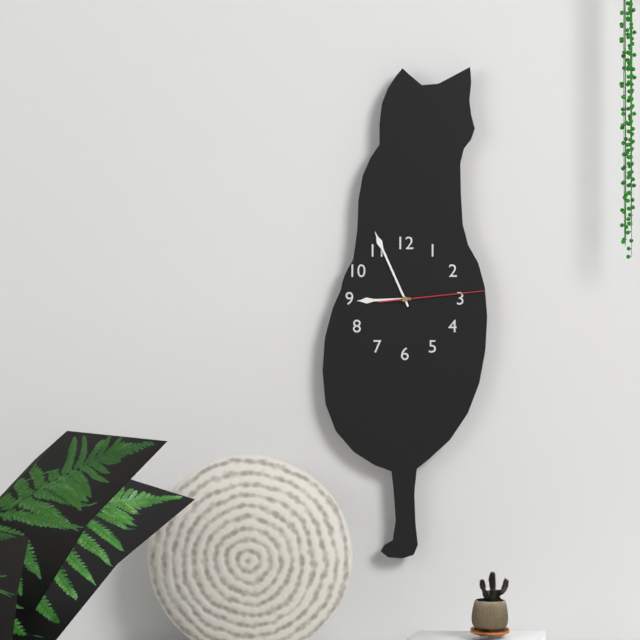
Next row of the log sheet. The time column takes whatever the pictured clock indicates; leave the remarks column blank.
8:56:14
